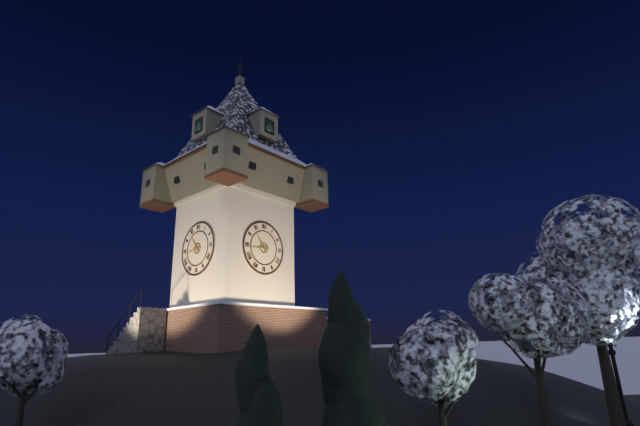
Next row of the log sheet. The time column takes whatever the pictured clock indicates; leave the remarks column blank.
10:44
